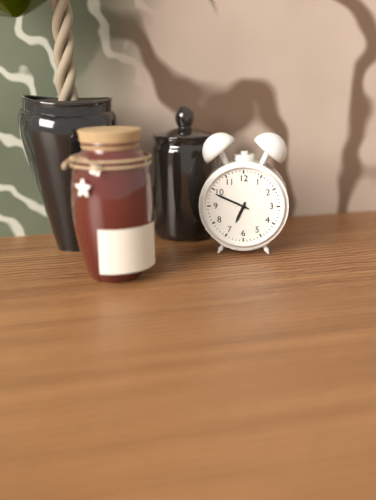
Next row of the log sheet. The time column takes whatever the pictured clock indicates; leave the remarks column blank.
6:49
